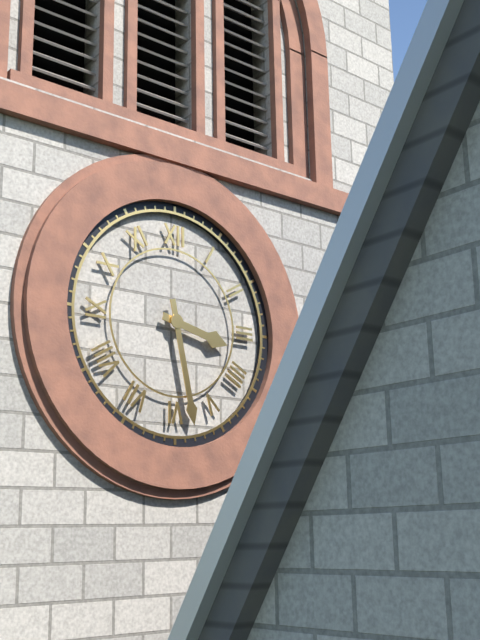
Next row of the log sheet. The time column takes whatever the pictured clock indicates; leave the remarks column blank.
3:28
